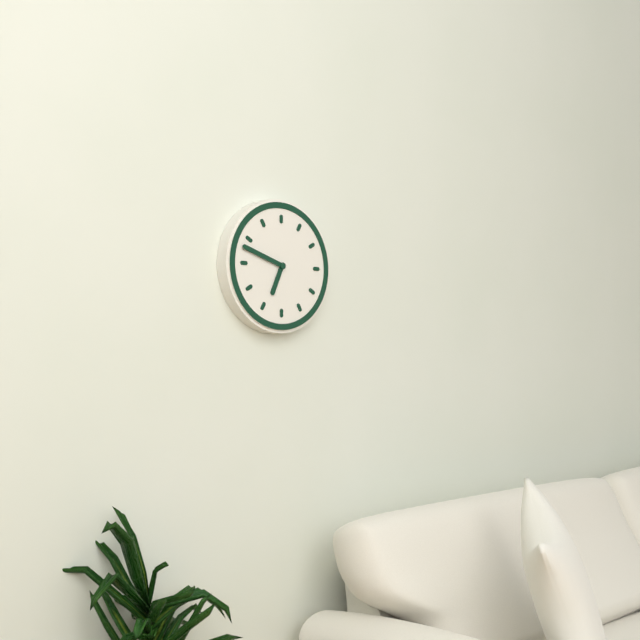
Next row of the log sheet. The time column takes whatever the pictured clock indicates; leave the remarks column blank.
6:48
